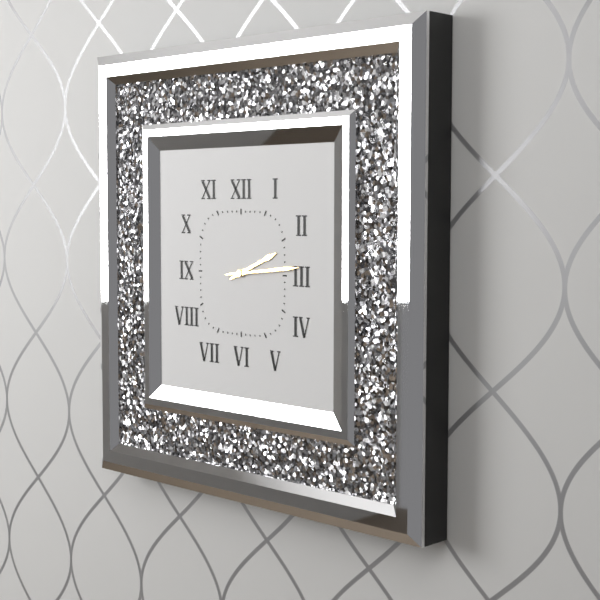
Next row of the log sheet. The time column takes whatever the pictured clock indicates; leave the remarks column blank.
2:14
